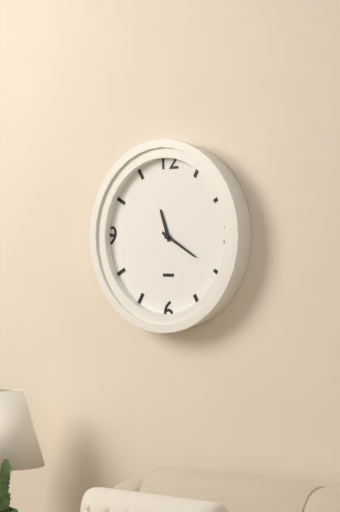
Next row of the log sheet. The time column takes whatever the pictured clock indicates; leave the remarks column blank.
11:20
